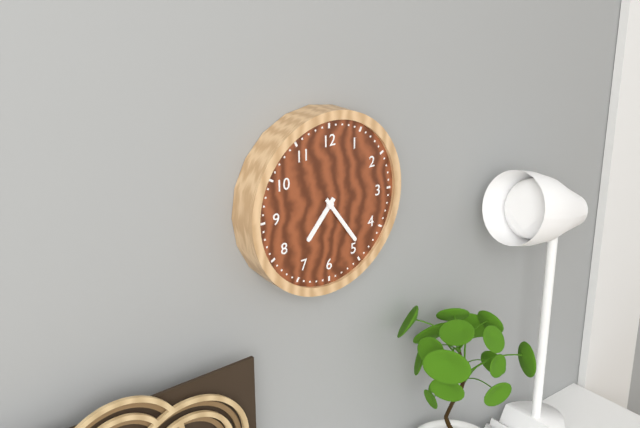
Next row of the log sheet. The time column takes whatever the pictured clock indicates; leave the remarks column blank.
7:24
